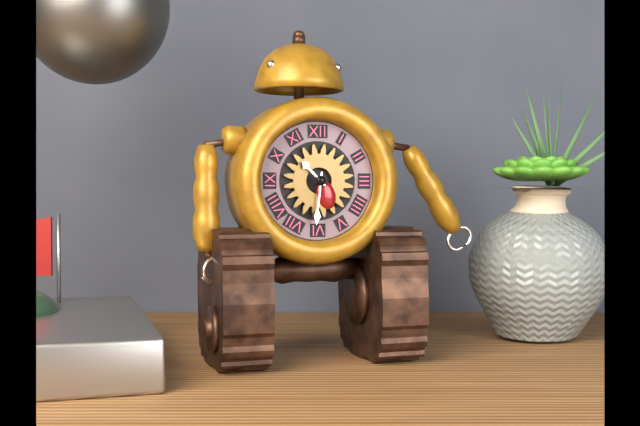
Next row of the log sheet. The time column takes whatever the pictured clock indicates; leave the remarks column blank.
10:31
